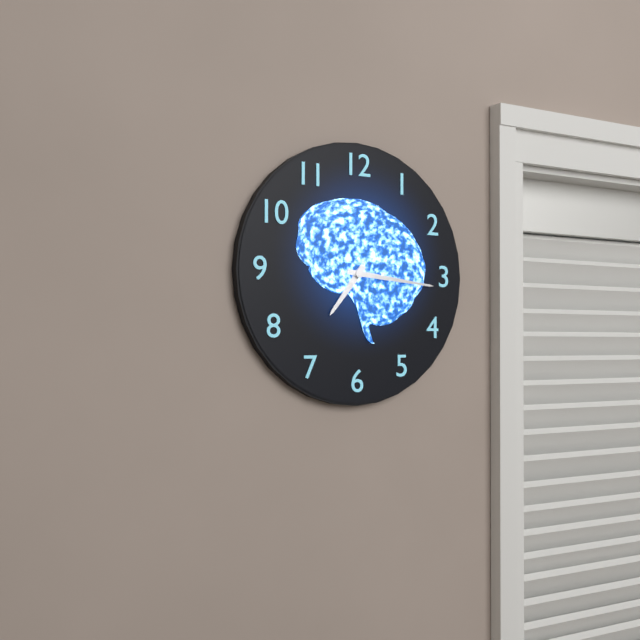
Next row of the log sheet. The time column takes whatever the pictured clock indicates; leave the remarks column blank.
7:16
